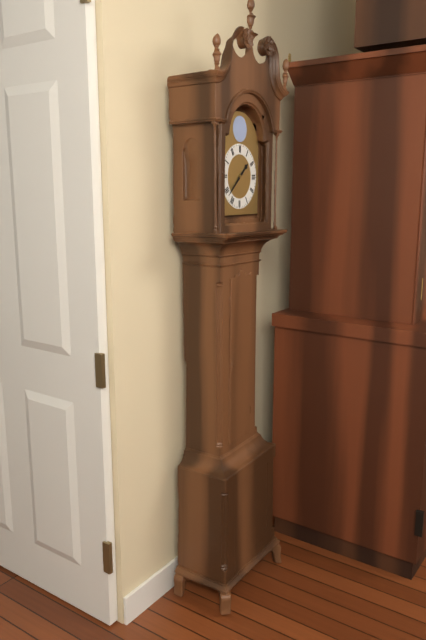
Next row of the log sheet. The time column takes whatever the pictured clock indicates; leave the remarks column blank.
1:38
